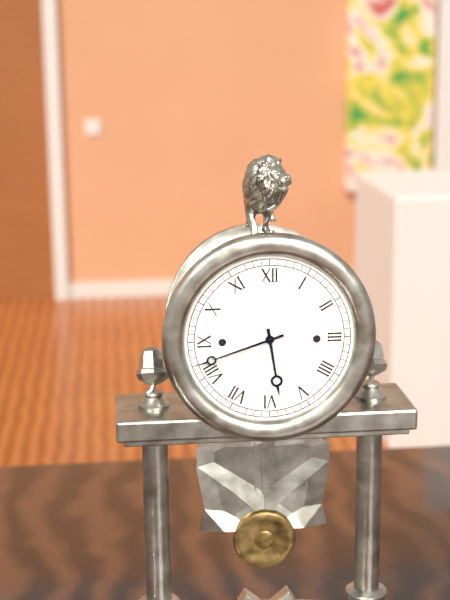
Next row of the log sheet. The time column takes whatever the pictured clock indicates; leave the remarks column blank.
5:42
